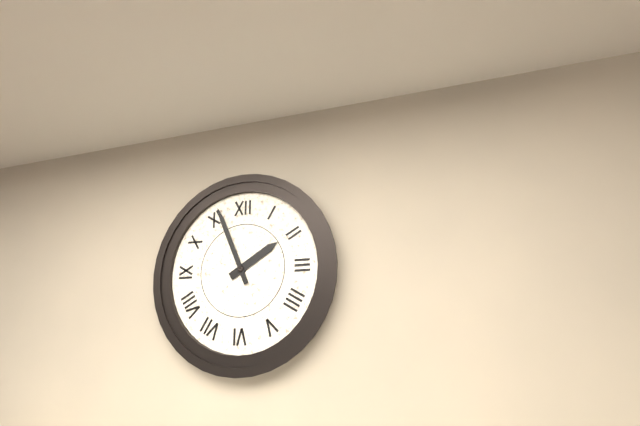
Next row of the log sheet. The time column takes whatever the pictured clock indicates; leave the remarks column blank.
1:56
